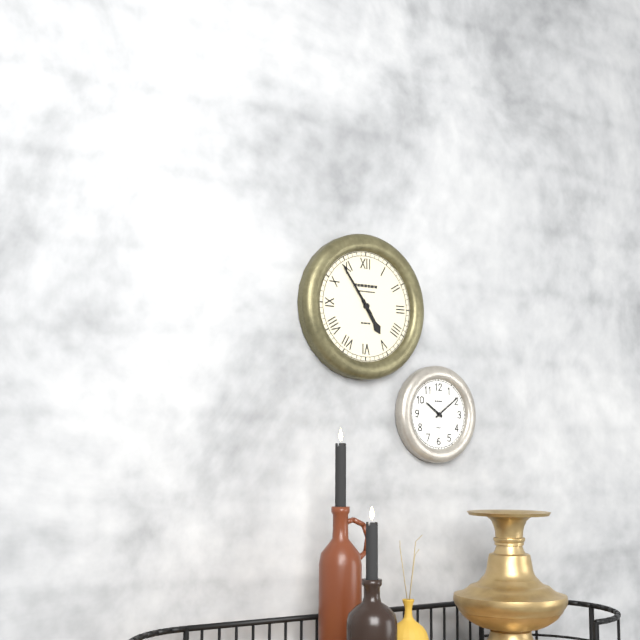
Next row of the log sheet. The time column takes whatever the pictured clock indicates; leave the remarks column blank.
4:54
